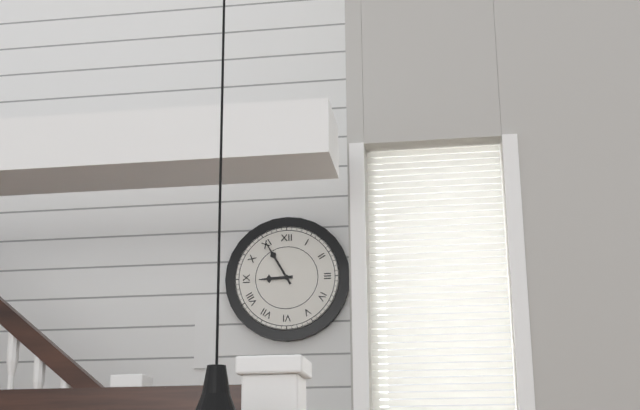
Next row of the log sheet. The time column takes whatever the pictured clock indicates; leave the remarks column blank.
8:55
